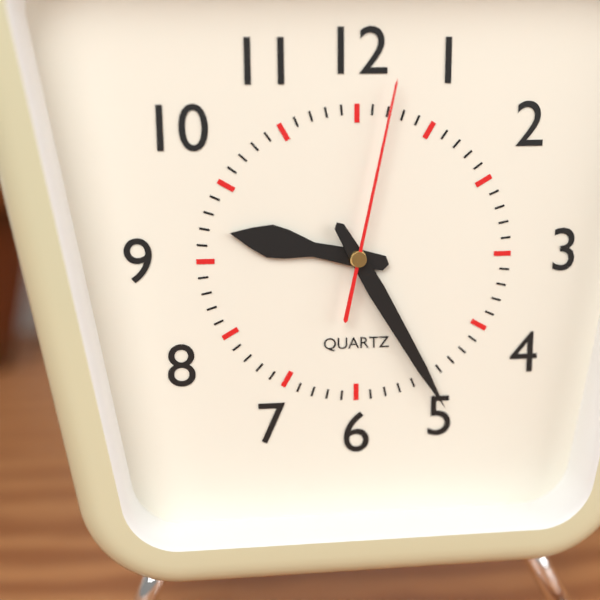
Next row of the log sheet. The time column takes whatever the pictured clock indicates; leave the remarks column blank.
9:25:02
